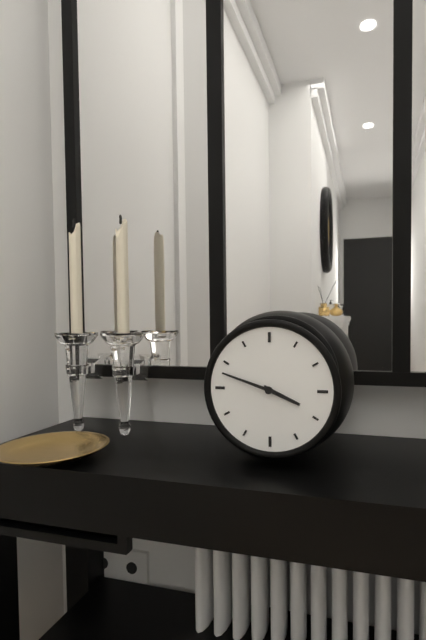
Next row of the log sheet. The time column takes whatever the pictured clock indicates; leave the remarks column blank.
3:48
